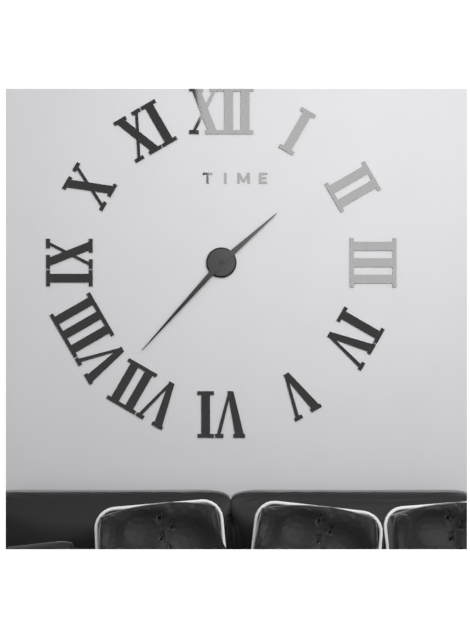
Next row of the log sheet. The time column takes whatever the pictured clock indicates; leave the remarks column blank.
1:37
